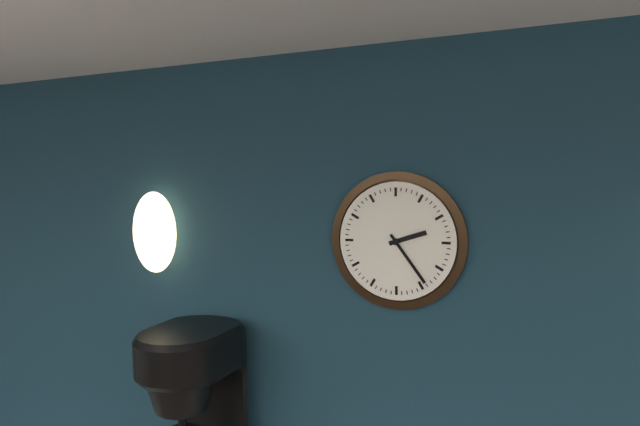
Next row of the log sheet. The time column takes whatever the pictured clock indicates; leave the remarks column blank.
2:24
